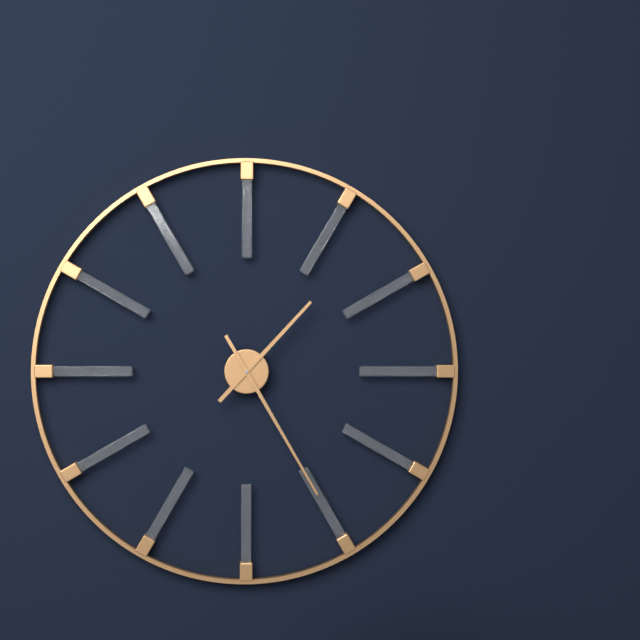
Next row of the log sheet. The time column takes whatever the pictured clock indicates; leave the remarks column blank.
1:25
